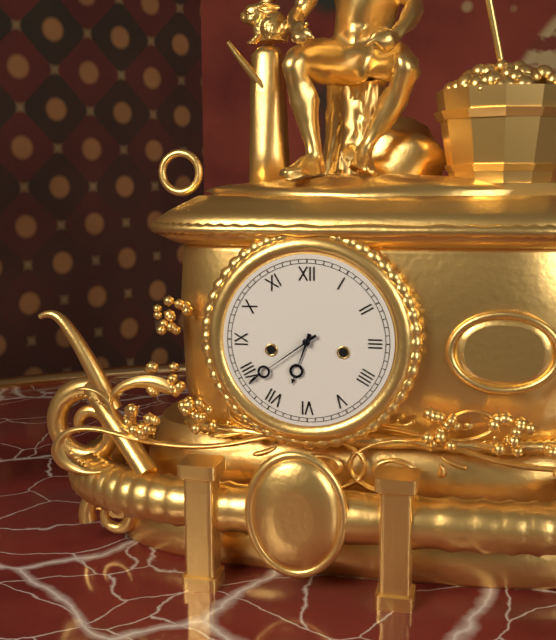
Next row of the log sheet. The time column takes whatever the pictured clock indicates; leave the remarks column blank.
6:39
